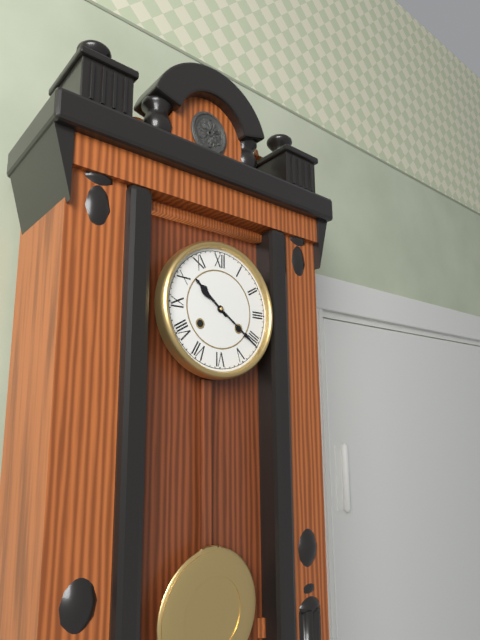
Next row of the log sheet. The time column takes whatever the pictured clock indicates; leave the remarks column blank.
10:21
